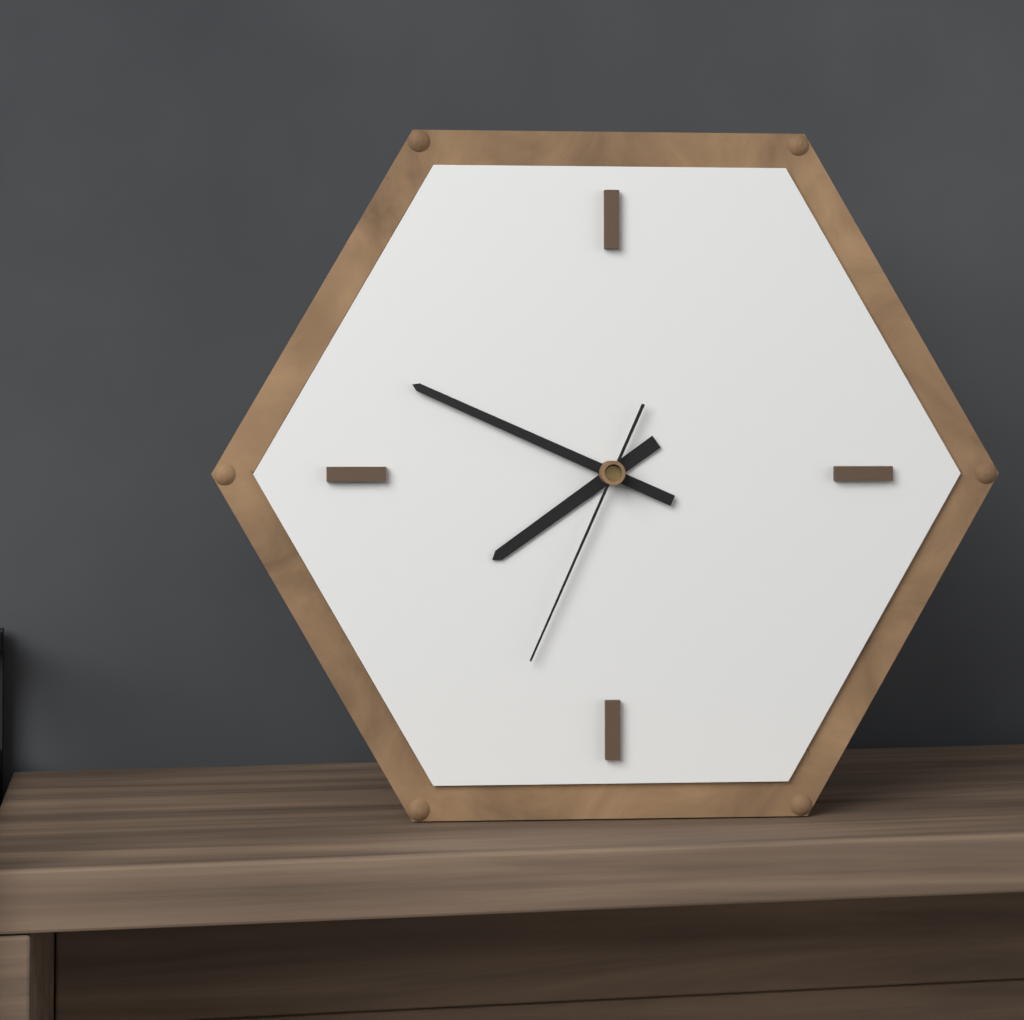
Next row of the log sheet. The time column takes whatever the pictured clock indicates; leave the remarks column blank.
7:49:34
